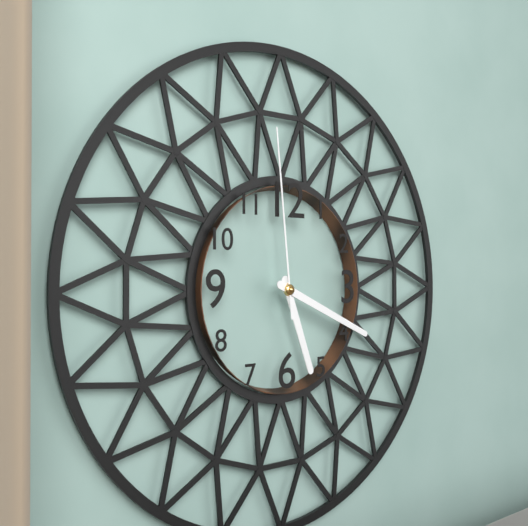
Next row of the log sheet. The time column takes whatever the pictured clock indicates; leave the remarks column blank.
5:19:59
